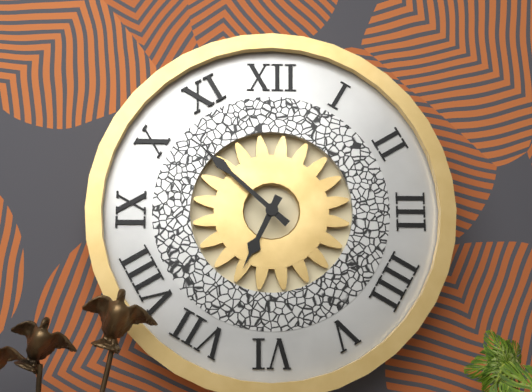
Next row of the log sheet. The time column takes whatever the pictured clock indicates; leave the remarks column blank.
6:52
